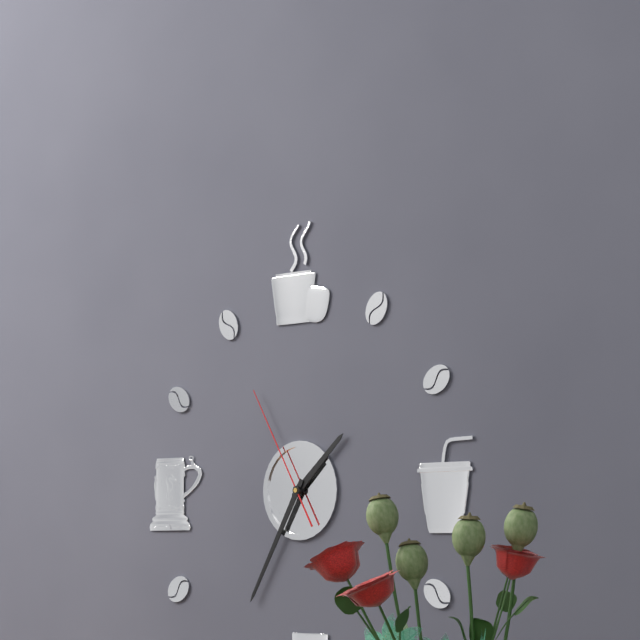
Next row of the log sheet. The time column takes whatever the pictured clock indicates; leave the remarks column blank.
1:35:55
